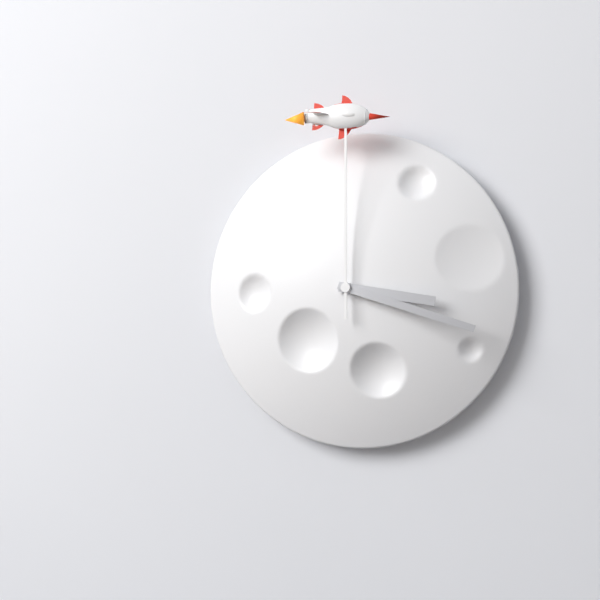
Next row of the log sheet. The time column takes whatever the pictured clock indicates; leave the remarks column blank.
3:18:00
